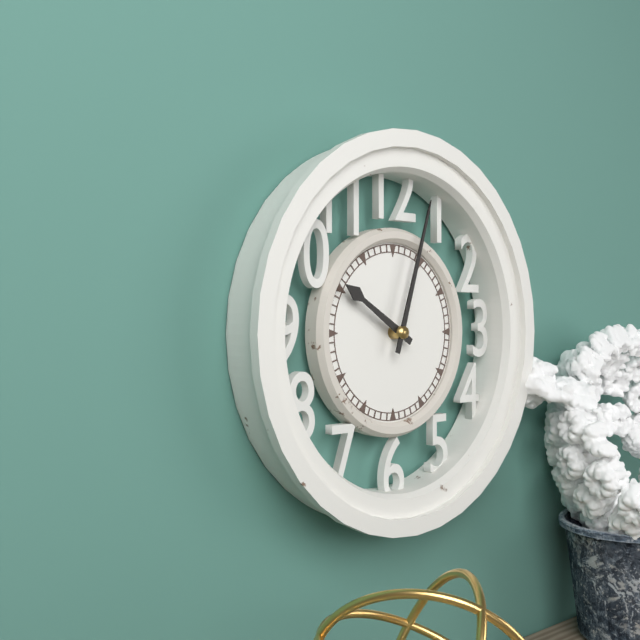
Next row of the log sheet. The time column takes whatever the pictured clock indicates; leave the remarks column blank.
10:03
